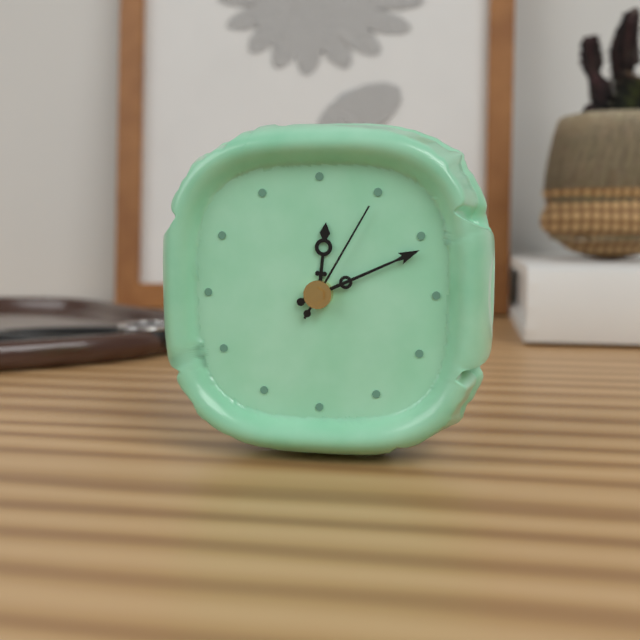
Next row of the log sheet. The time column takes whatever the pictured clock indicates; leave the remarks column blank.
12:11:05
